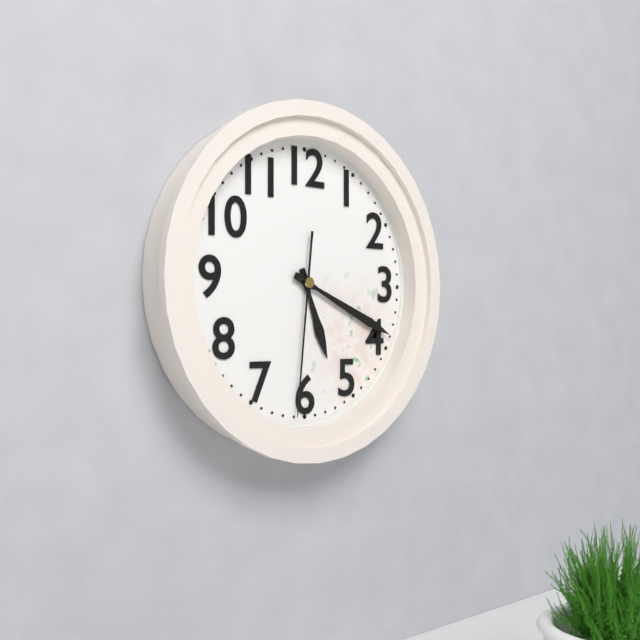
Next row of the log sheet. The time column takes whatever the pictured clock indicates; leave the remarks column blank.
5:19:31
